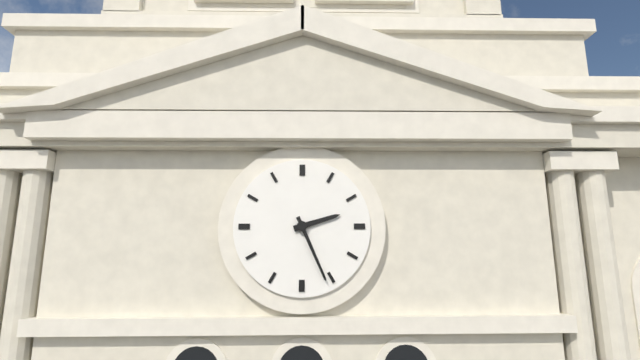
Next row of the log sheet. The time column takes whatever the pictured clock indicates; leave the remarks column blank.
2:26
